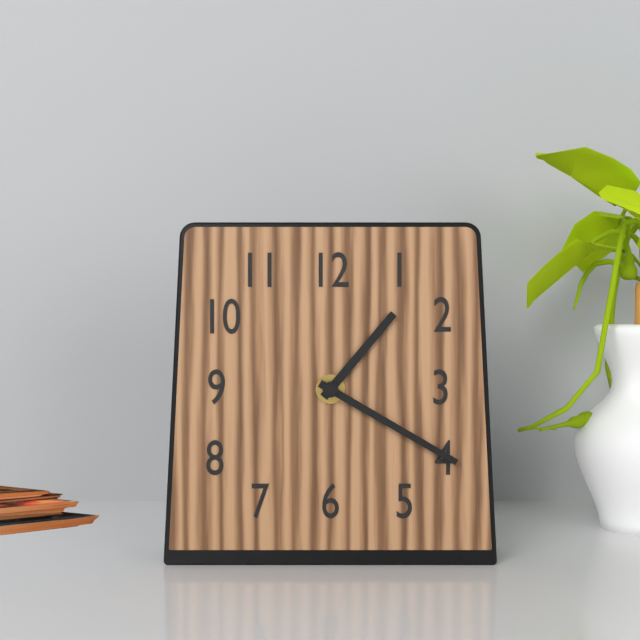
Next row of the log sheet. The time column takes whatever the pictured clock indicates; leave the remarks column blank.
1:20
